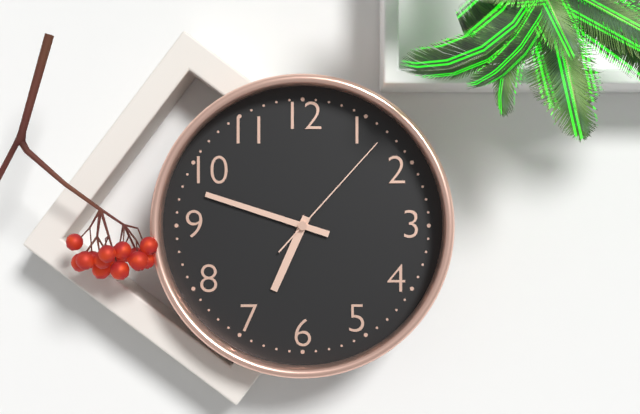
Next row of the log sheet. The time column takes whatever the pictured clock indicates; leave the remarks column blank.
6:48:07
